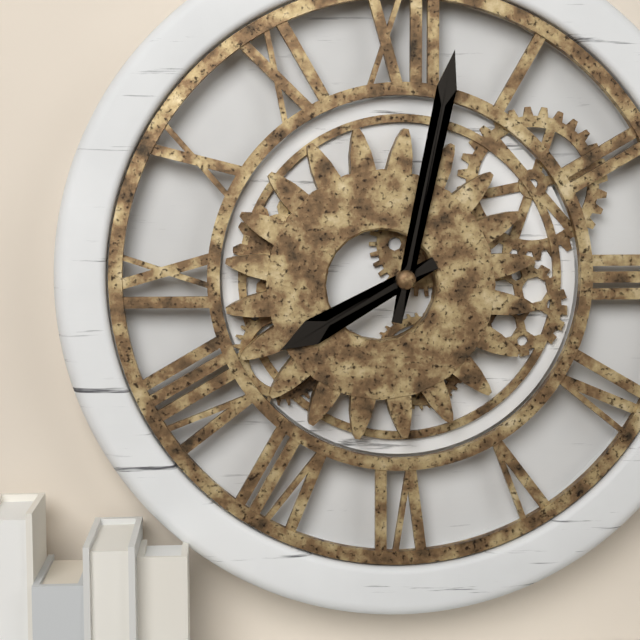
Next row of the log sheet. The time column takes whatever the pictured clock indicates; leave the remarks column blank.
8:02
